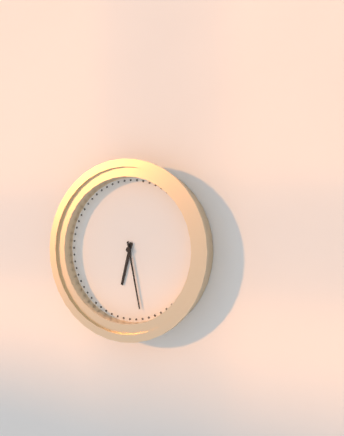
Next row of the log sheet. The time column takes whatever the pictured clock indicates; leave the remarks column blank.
6:28
